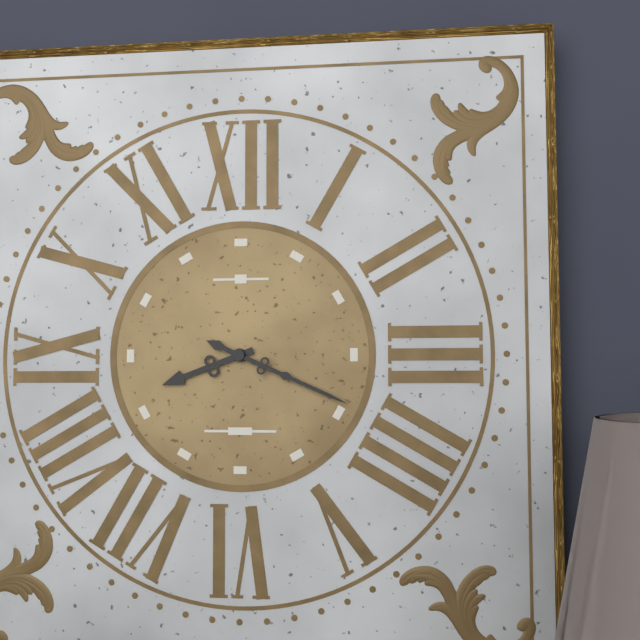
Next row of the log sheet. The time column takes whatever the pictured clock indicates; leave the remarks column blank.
8:19
